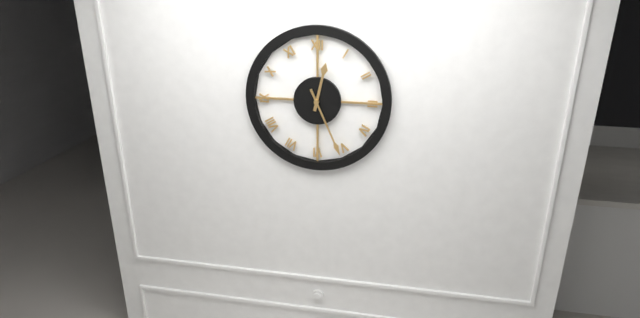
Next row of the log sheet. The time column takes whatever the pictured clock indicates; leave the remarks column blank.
12:26
